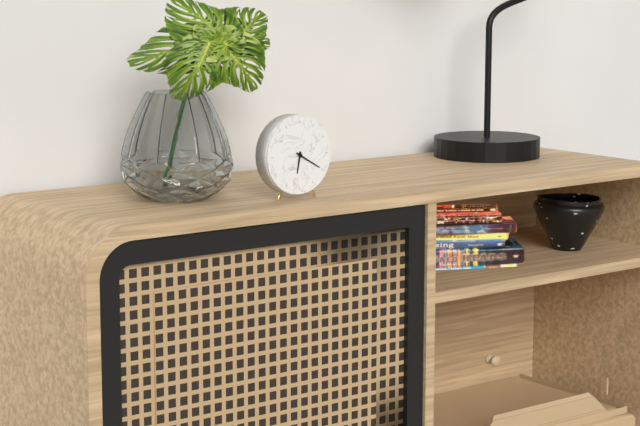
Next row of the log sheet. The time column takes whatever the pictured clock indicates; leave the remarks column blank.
6:20
